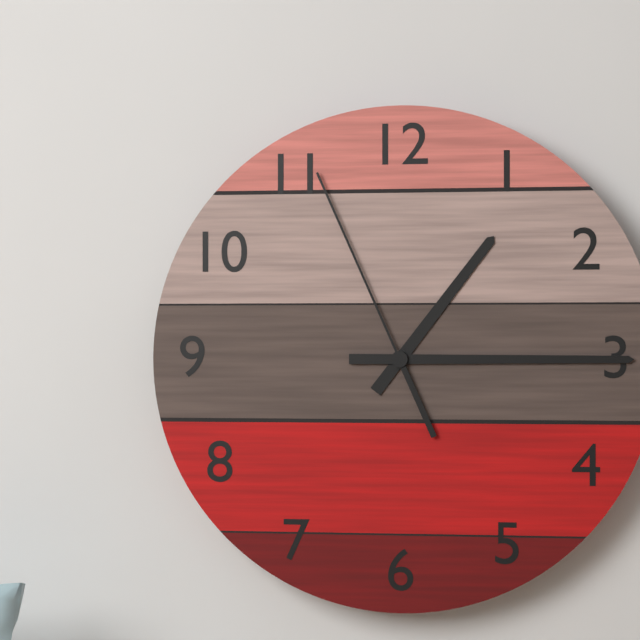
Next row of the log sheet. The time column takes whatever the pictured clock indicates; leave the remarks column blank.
1:15:56
